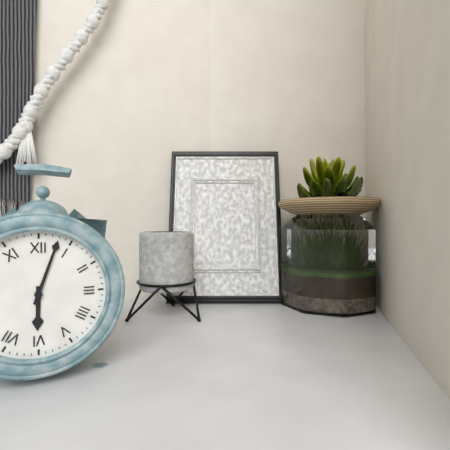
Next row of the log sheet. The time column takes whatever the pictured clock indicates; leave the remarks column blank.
6:03
